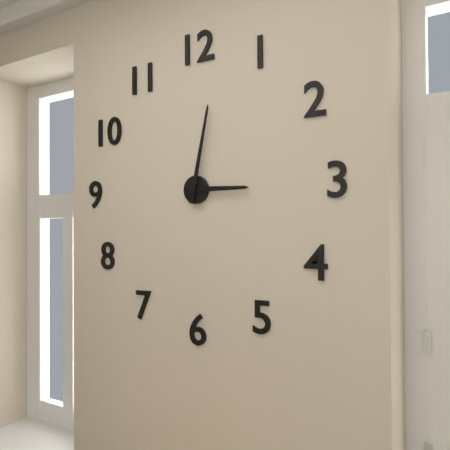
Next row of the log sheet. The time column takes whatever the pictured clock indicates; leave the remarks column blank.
3:02
